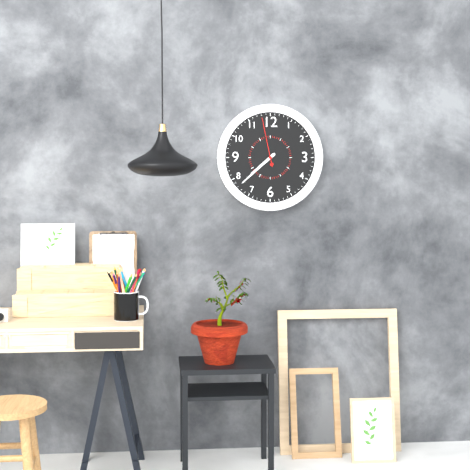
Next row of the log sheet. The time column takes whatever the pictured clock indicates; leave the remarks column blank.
7:38:58
